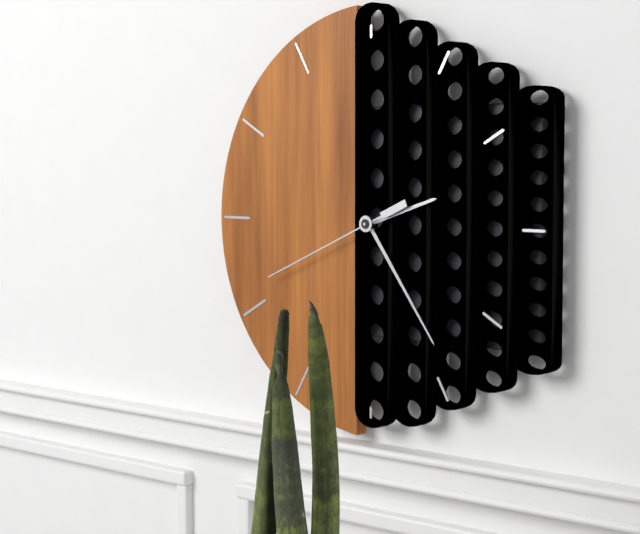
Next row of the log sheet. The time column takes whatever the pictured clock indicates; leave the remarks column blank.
2:24:41
